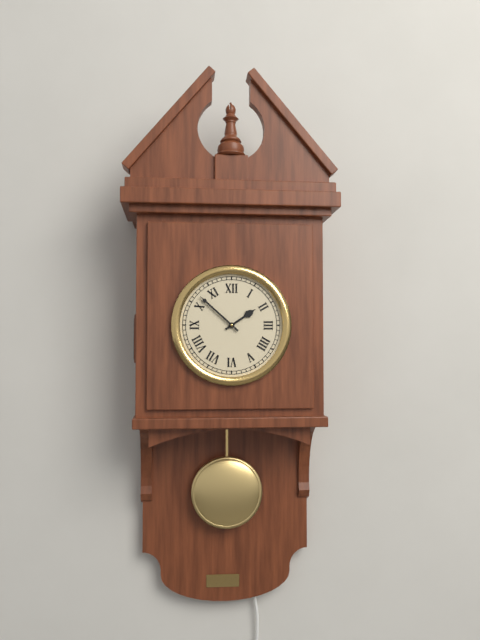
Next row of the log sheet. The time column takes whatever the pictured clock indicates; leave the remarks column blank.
1:52
